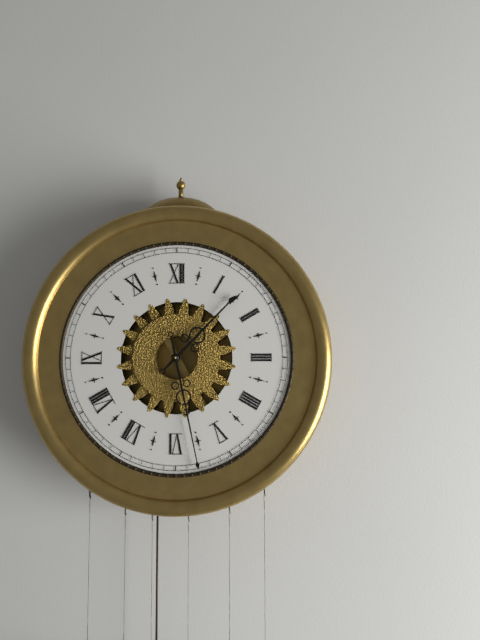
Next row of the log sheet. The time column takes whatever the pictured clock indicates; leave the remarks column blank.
1:28
